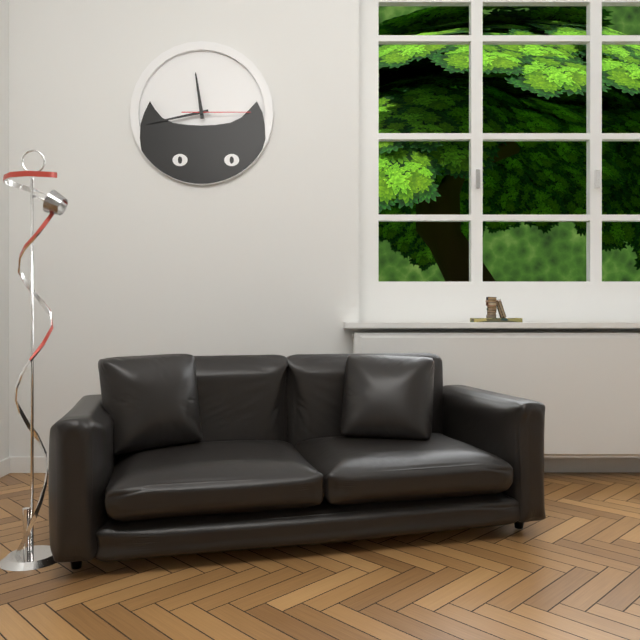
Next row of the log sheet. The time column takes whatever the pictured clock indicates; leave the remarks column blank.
11:43:15
